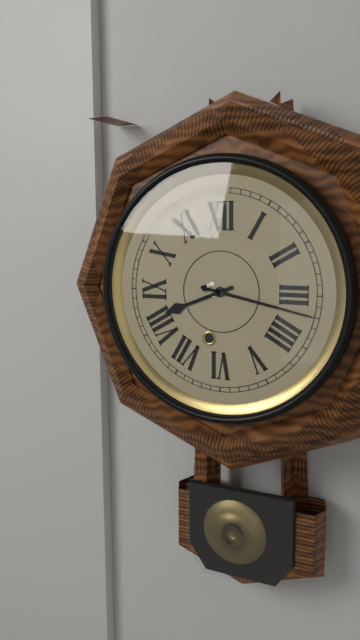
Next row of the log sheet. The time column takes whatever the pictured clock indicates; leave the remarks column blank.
8:17
